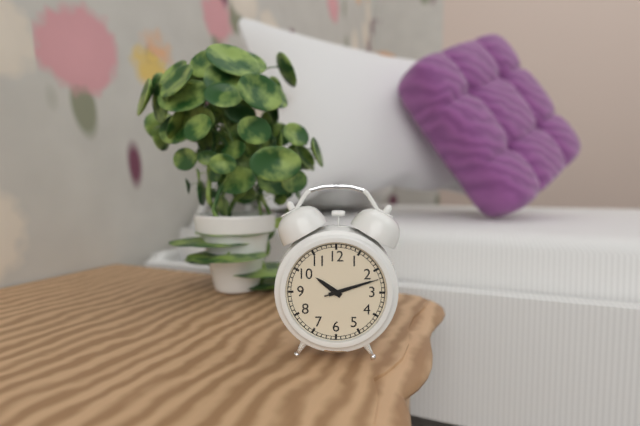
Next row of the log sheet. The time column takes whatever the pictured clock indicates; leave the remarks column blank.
10:12:12
